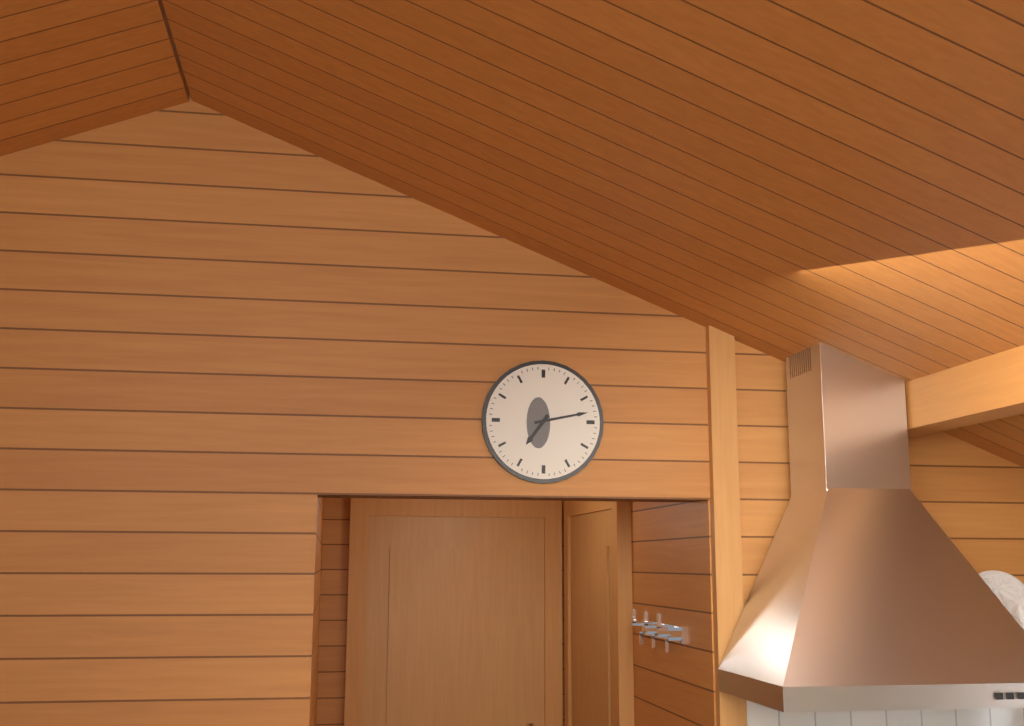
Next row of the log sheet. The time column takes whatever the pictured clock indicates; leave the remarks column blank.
7:13
